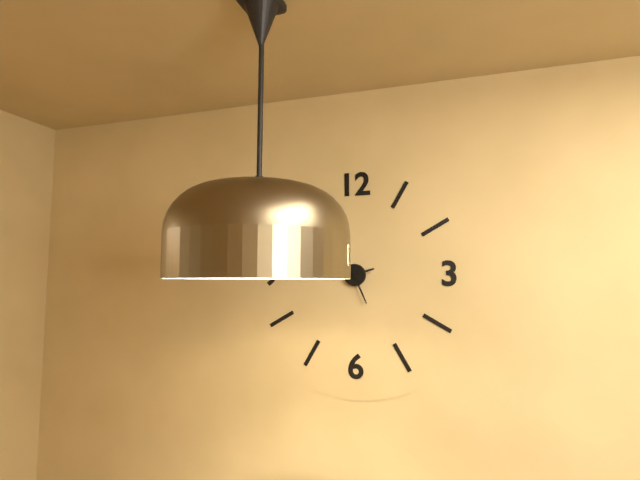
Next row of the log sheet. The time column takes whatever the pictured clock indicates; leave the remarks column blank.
2:26
